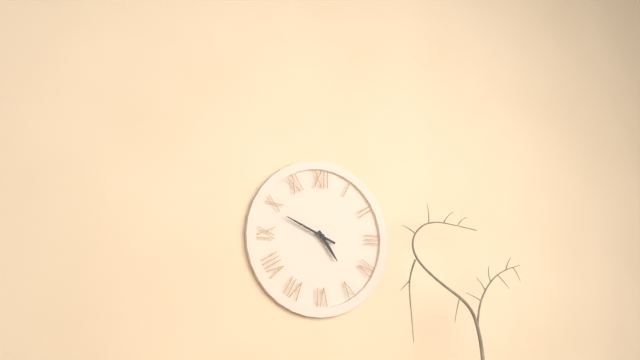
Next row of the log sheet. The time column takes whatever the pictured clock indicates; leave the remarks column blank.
4:49
